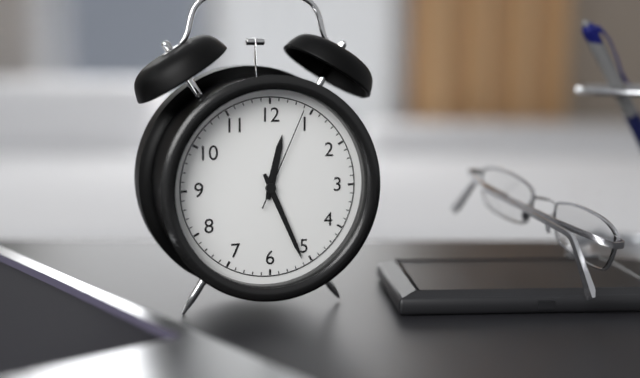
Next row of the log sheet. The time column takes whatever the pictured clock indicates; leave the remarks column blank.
12:26:04
